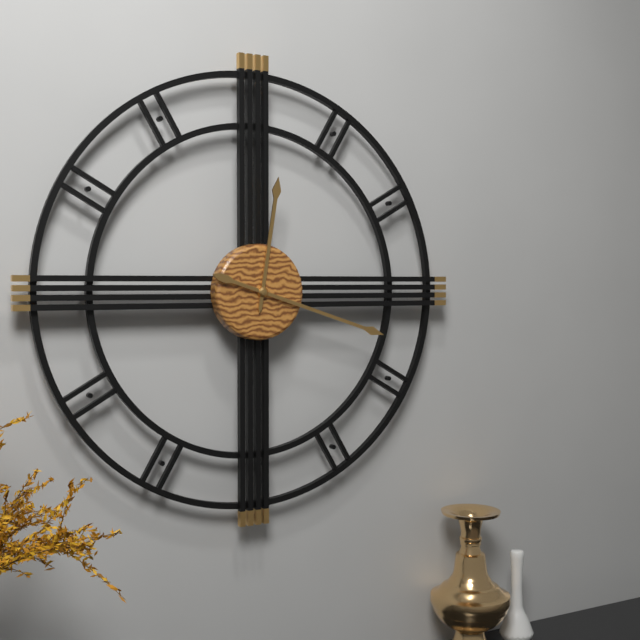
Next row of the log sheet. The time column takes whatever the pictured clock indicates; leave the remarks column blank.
12:18
